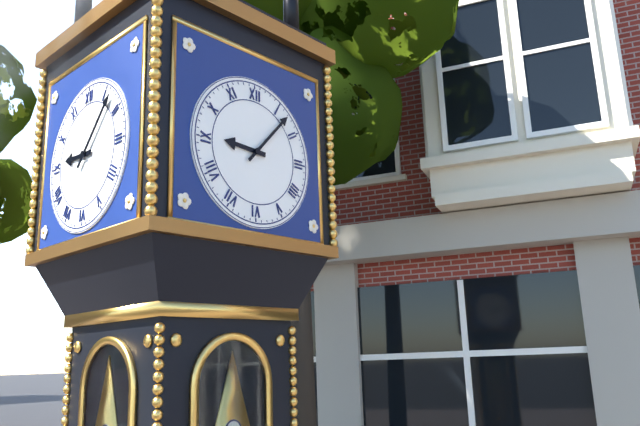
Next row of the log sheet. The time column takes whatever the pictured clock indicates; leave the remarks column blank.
9:07
